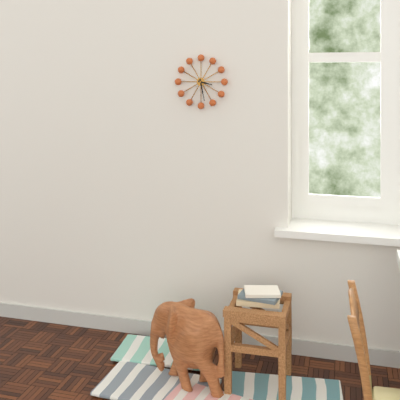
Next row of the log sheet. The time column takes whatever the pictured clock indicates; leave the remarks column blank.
3:28
